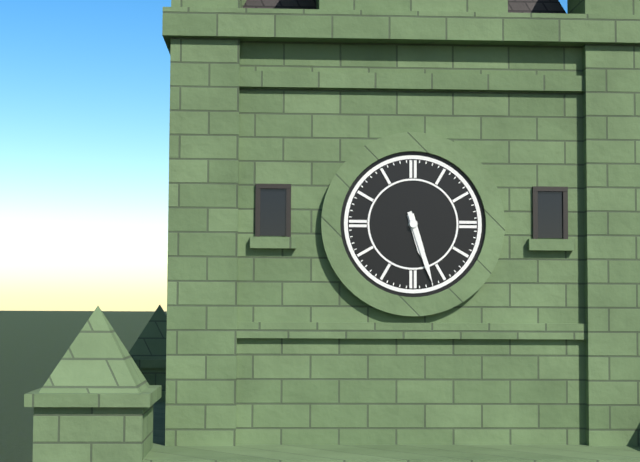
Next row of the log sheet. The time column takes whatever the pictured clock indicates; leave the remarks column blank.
5:27
